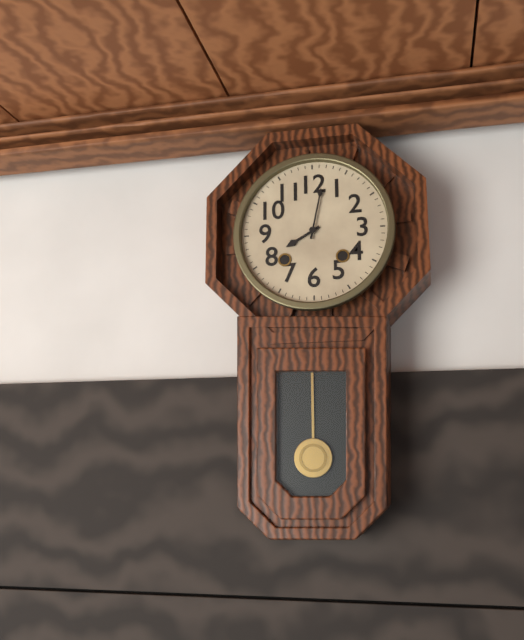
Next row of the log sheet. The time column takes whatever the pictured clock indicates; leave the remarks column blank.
8:02
